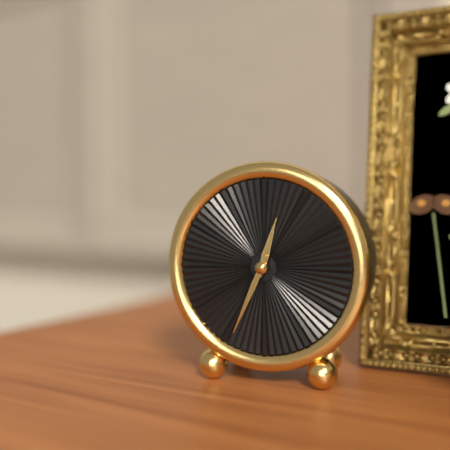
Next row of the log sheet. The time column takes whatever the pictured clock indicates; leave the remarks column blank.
12:34
